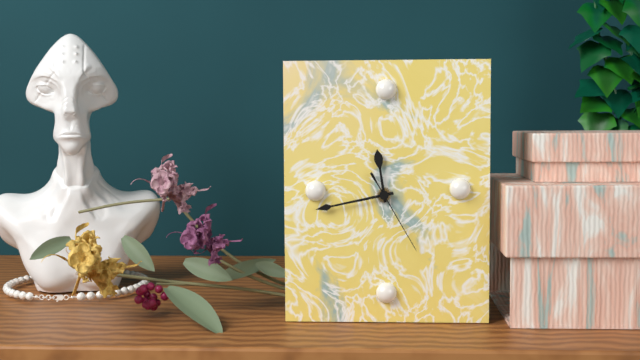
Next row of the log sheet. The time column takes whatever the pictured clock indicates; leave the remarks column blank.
11:43:25
